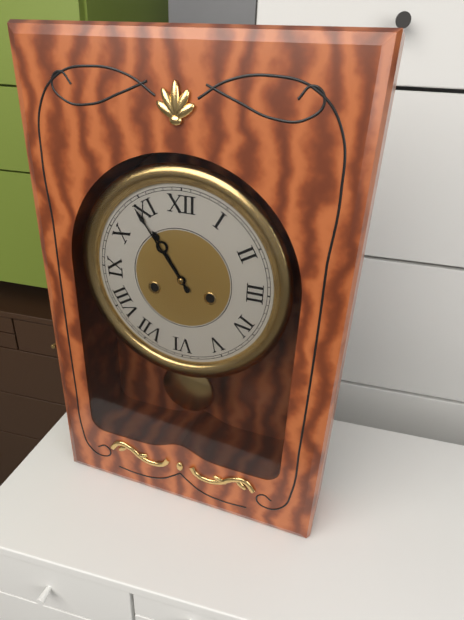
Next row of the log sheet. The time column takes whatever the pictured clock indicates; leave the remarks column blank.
10:54
